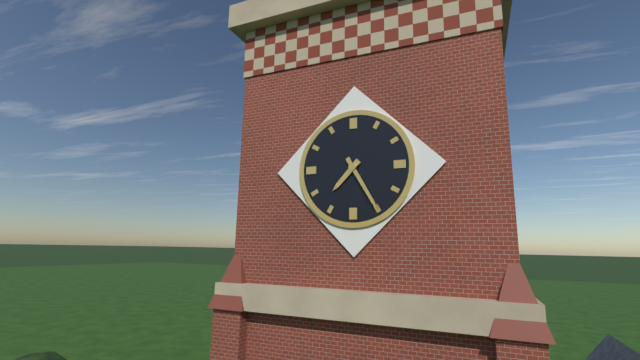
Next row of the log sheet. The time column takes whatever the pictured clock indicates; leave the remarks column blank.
7:25
